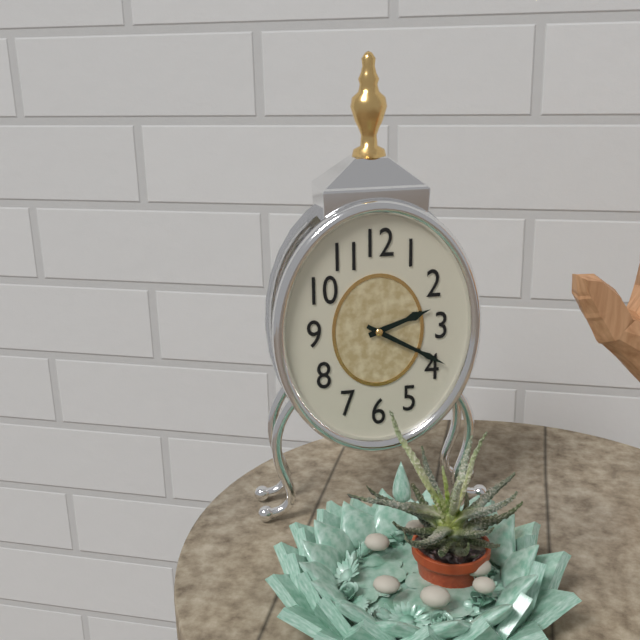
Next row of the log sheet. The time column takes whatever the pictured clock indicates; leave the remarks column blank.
2:20
